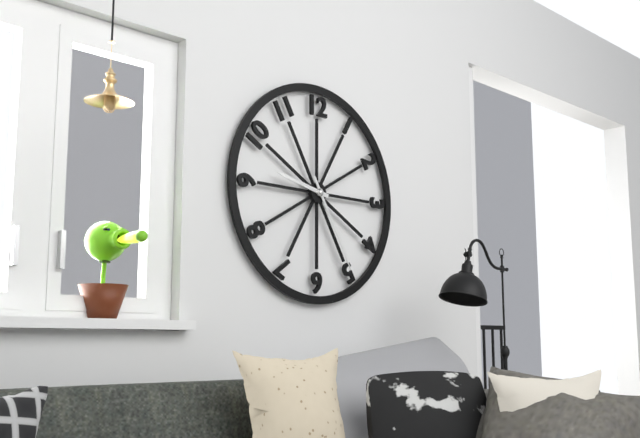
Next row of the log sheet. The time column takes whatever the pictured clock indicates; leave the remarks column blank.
9:25
